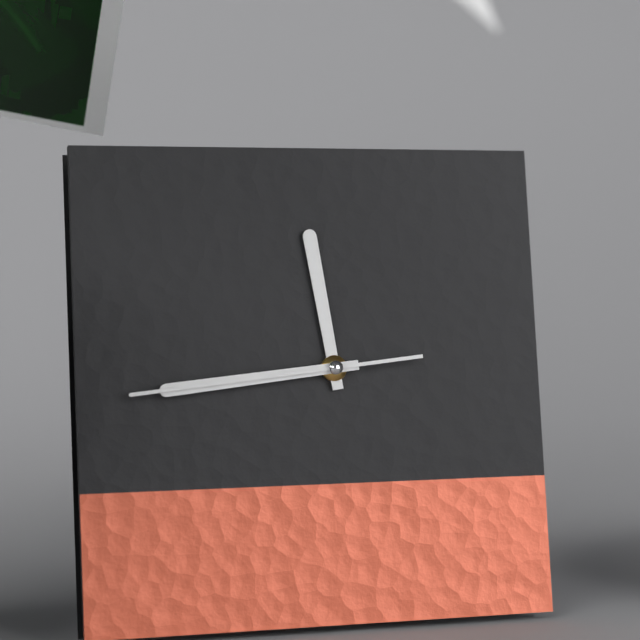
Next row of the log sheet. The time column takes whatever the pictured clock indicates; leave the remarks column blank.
11:44:44
